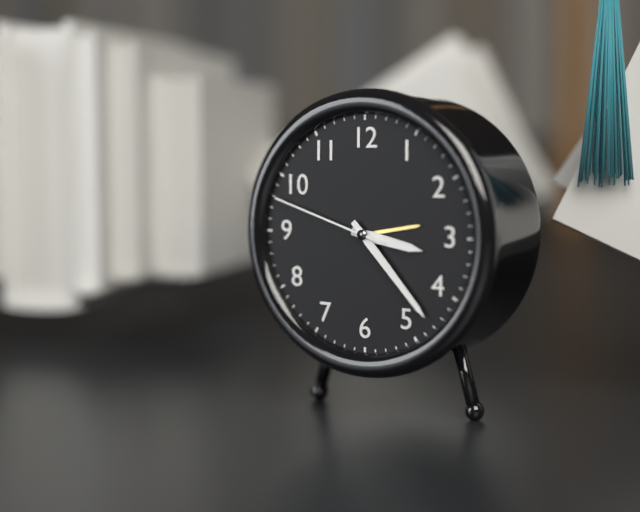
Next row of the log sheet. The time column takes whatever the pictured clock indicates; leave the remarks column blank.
3:23:48
